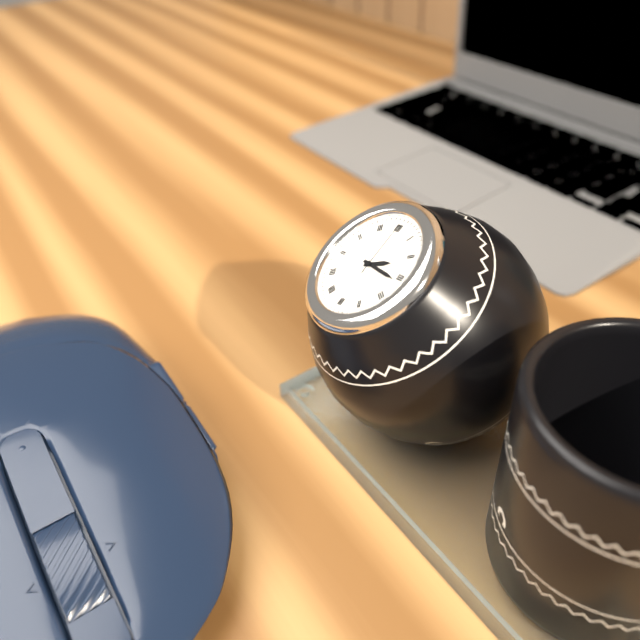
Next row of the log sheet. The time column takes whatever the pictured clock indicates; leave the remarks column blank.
2:16:00
